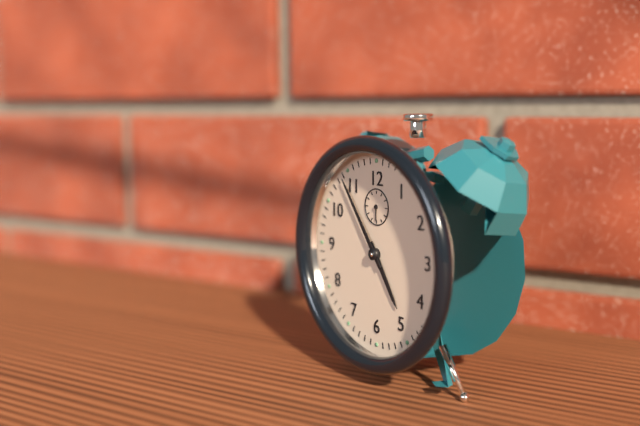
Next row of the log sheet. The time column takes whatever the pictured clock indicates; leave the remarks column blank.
4:54
